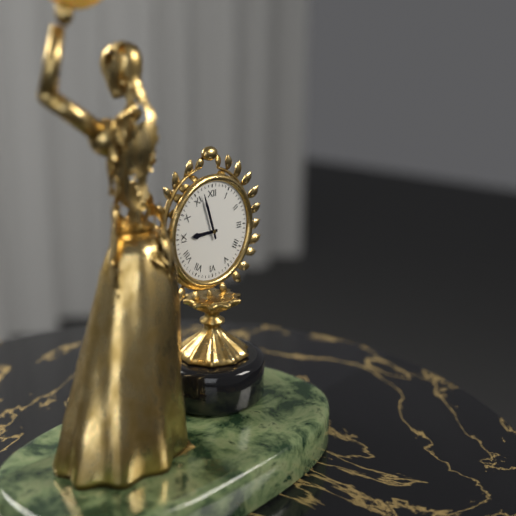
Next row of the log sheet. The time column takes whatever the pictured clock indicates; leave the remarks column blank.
8:57
